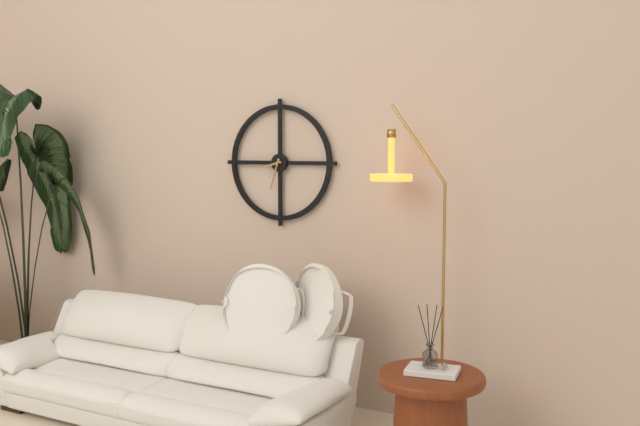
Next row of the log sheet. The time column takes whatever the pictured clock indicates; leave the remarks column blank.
8:33
